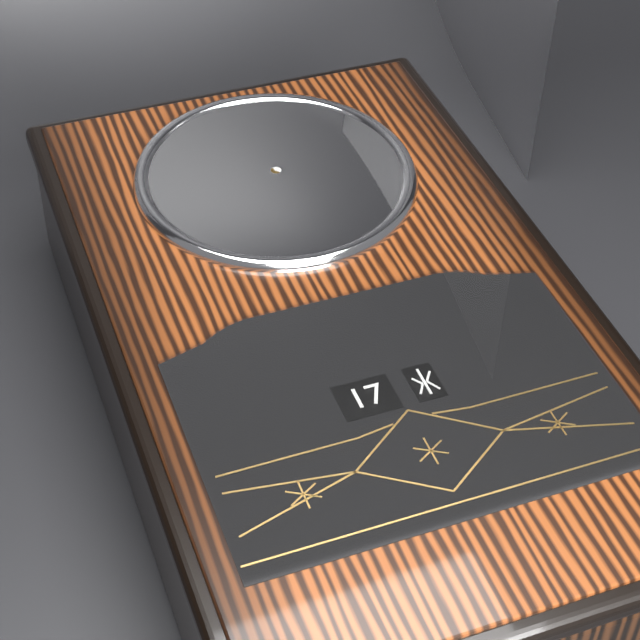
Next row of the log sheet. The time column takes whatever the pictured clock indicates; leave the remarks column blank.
10:58
